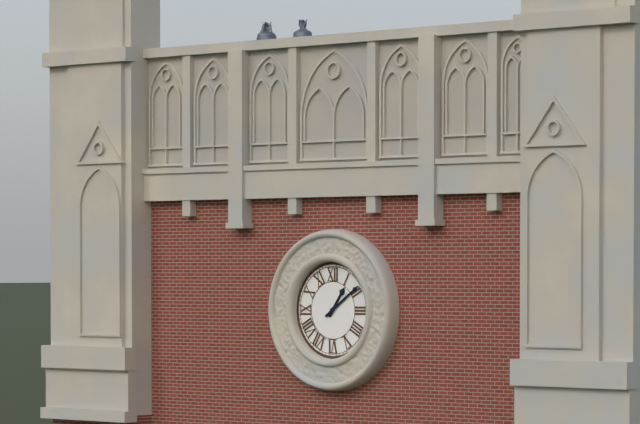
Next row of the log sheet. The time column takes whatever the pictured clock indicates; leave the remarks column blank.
1:09
